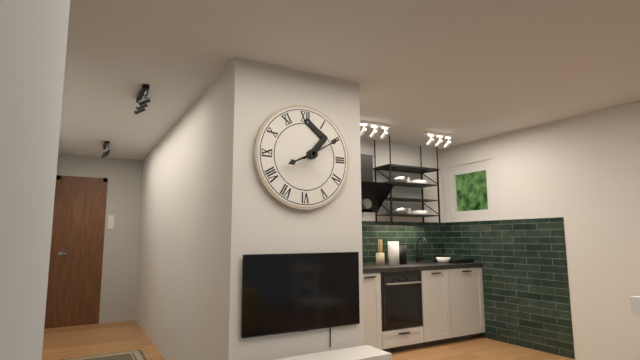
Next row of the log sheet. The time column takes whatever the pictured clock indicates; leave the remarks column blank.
8:10
